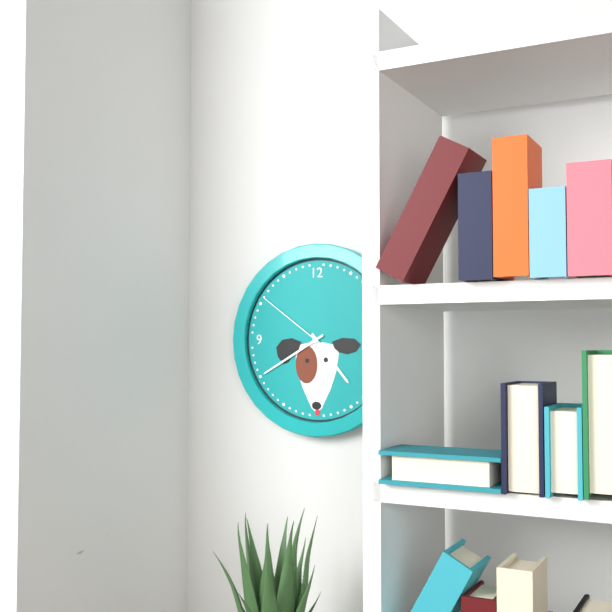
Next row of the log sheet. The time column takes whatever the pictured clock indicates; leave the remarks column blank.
4:40:51
